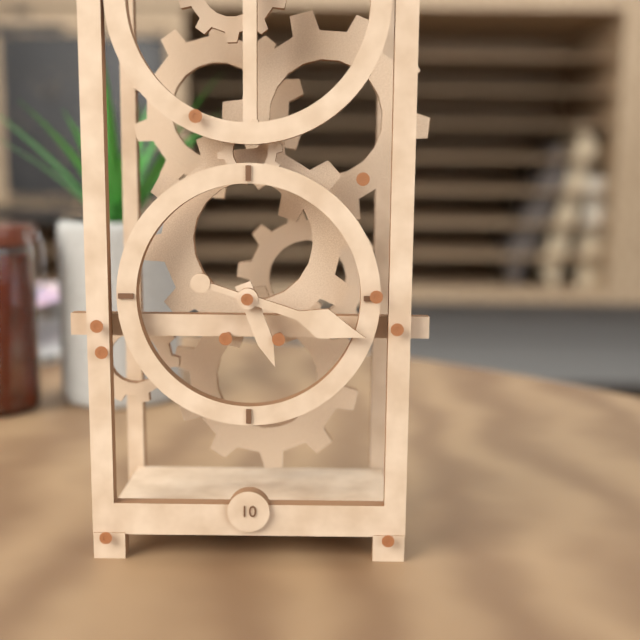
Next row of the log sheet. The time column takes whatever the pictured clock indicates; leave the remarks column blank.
5:18
